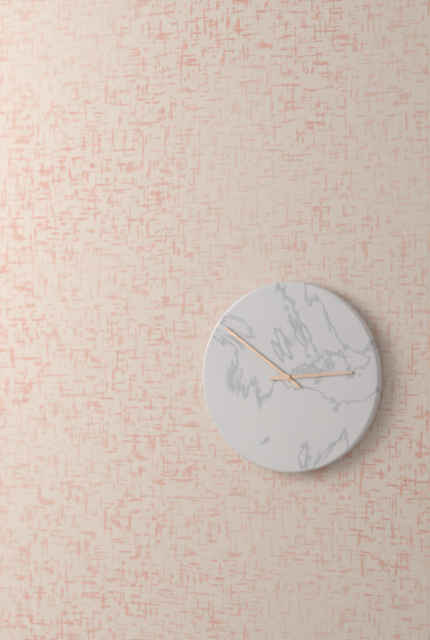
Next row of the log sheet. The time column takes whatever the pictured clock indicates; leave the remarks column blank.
2:51
